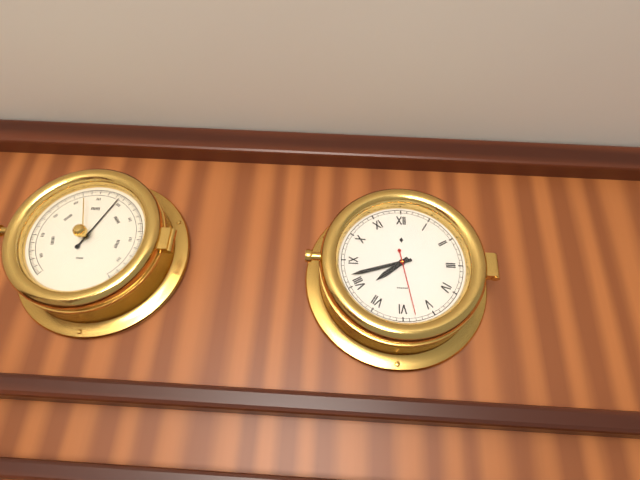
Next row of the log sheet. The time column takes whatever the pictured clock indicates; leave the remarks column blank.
7:42
